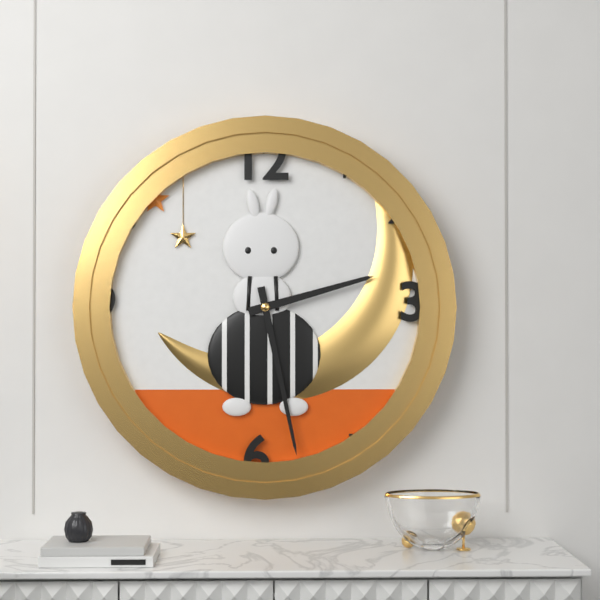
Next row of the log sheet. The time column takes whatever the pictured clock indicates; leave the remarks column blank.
2:28
